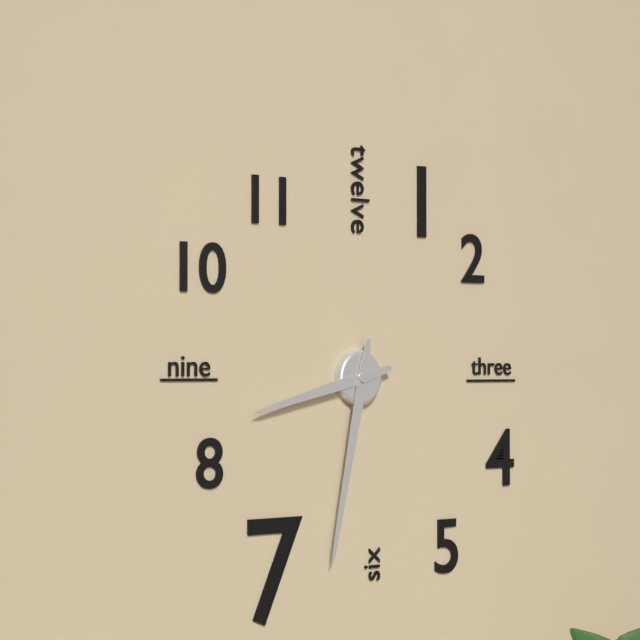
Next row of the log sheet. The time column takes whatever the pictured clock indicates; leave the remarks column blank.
8:32
